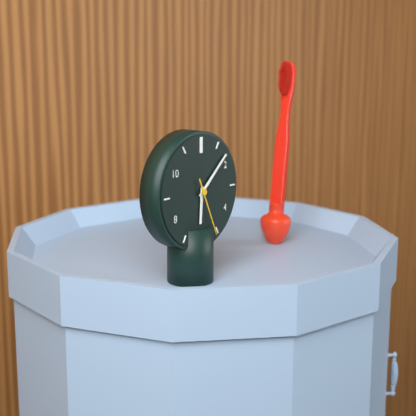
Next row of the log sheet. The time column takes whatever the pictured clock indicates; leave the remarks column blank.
6:08:26
